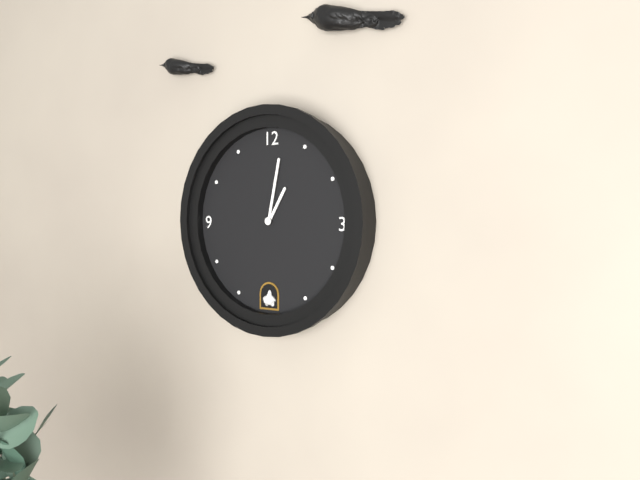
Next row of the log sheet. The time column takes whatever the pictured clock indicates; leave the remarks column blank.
1:02
